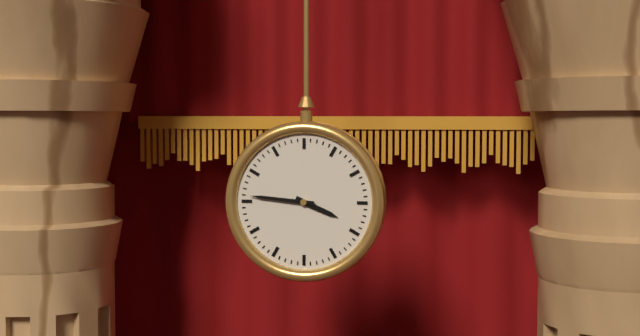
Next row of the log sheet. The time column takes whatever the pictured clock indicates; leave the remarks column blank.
3:46
